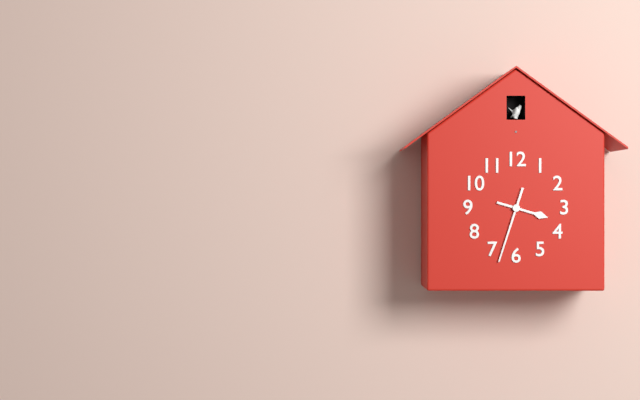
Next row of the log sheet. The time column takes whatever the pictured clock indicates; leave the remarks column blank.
3:33
